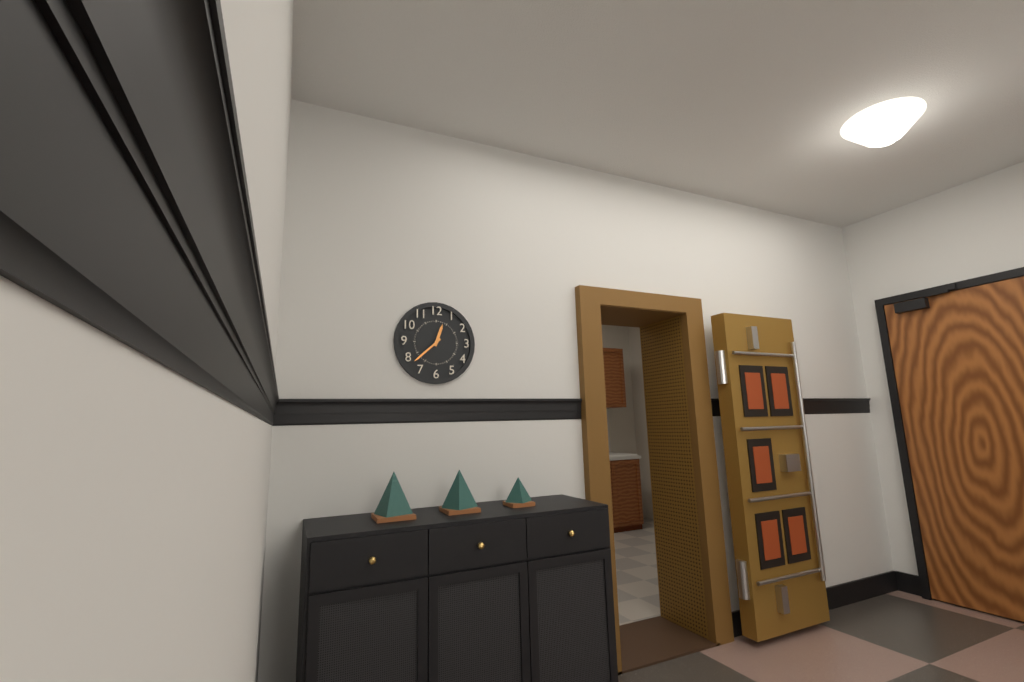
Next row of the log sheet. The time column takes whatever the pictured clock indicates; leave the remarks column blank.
12:38
